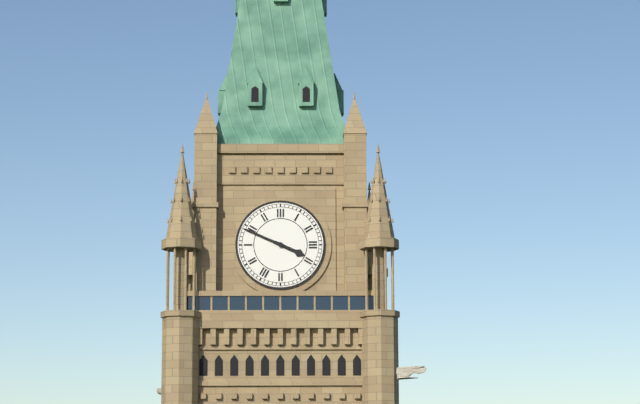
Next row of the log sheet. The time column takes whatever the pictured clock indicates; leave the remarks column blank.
3:49
